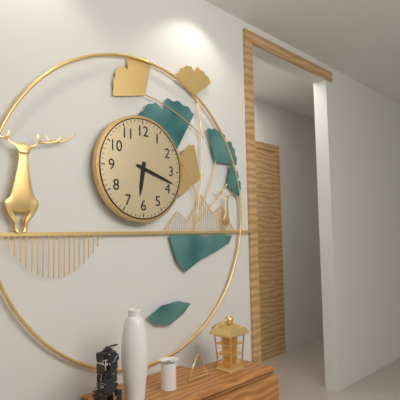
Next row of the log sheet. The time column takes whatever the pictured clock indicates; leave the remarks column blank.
6:18
